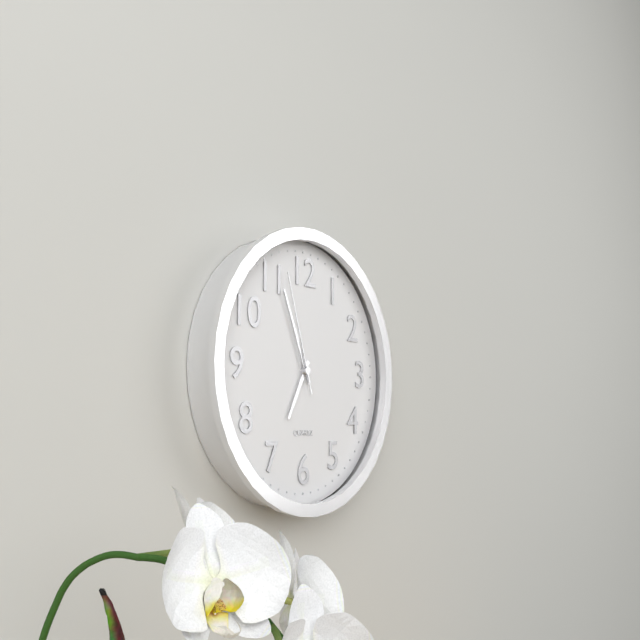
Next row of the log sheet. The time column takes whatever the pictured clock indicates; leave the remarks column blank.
6:56:57
